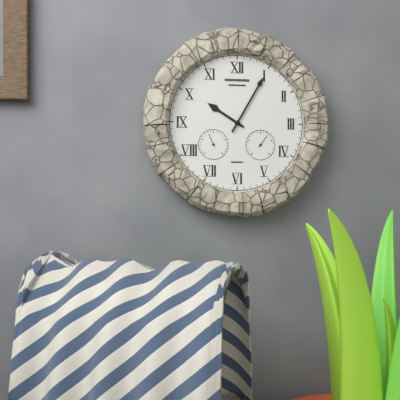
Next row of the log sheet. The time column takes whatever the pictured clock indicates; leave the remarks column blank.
10:05
